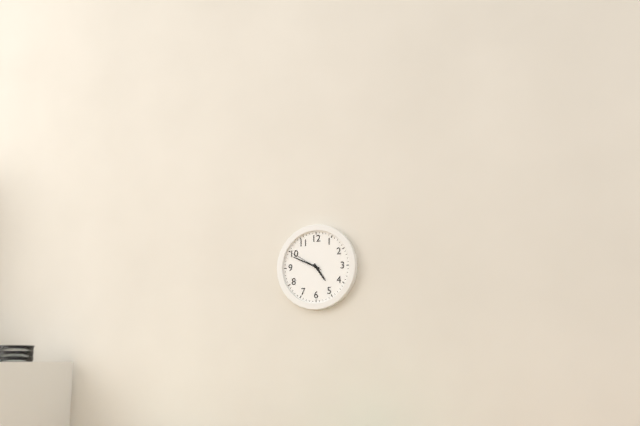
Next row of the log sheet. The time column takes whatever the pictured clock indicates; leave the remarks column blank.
4:49
